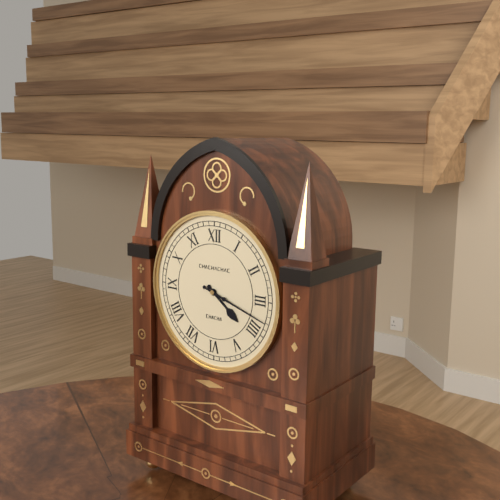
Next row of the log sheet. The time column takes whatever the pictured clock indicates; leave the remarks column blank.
4:18
